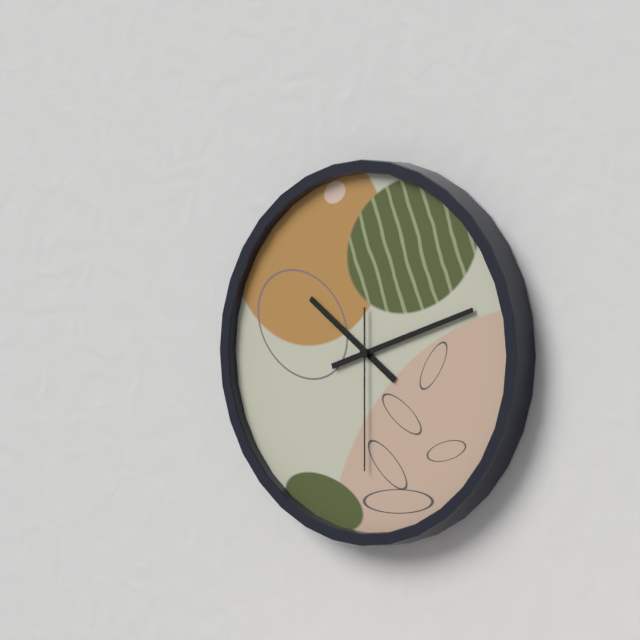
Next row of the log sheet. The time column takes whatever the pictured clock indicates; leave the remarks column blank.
10:12:30
